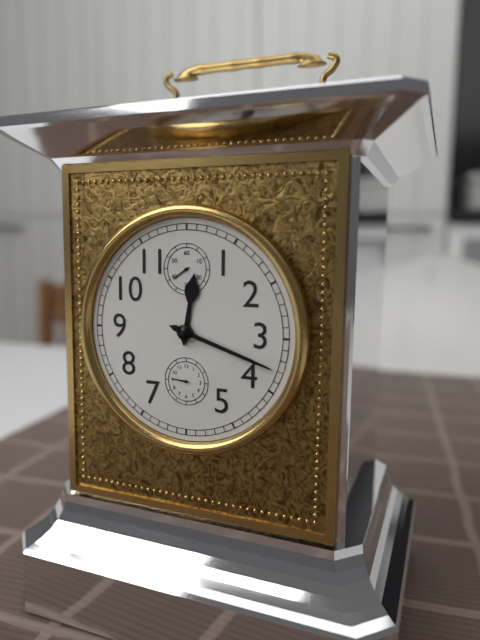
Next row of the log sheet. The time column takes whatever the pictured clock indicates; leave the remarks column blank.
12:18
